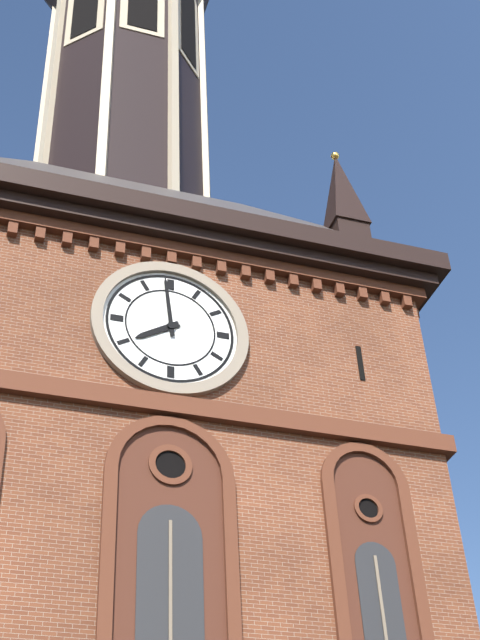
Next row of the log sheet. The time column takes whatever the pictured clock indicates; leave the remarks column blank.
7:59
